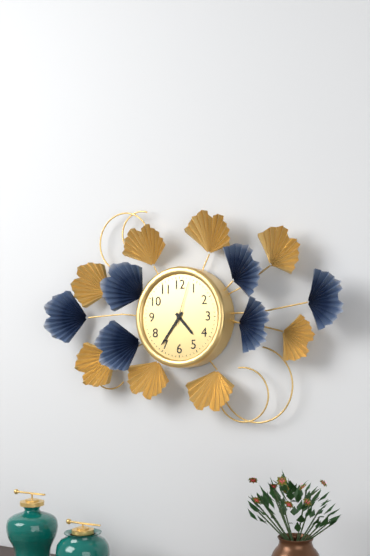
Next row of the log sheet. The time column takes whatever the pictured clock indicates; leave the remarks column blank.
4:36
